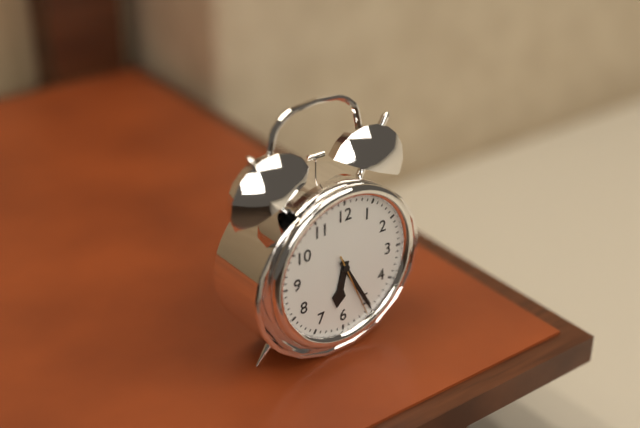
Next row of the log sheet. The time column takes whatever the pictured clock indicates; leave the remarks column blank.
6:25:26
